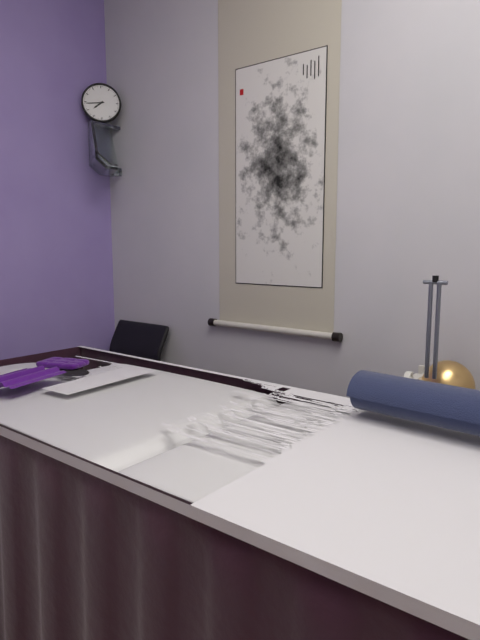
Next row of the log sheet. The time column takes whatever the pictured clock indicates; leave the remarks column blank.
7:44
